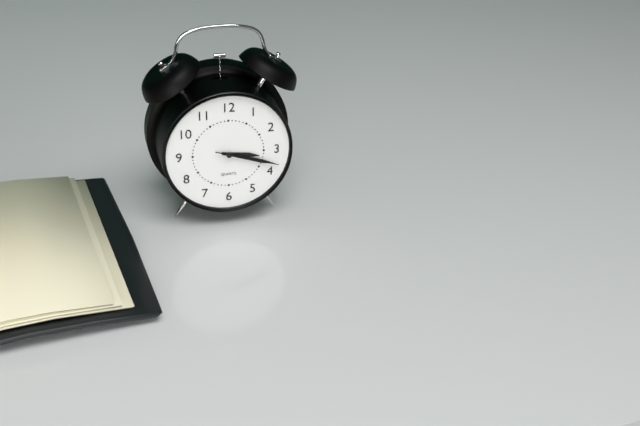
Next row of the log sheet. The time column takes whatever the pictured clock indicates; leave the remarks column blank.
3:18:18
